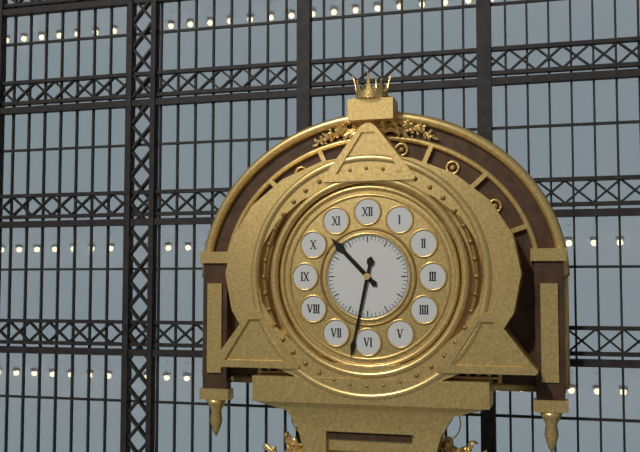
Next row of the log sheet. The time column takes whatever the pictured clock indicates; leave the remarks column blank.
10:32
